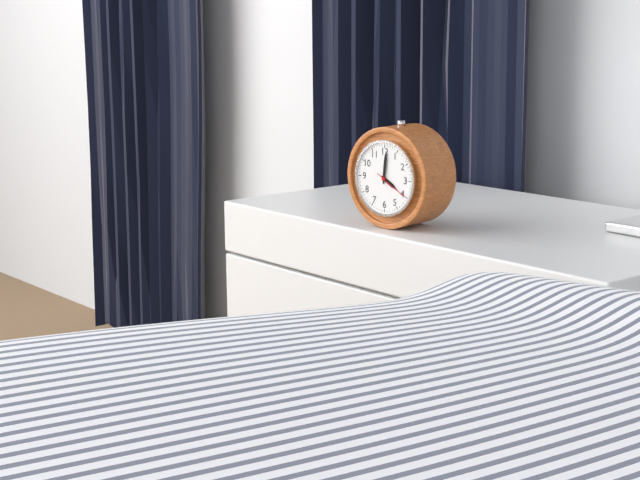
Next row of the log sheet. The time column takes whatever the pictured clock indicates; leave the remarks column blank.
4:01
